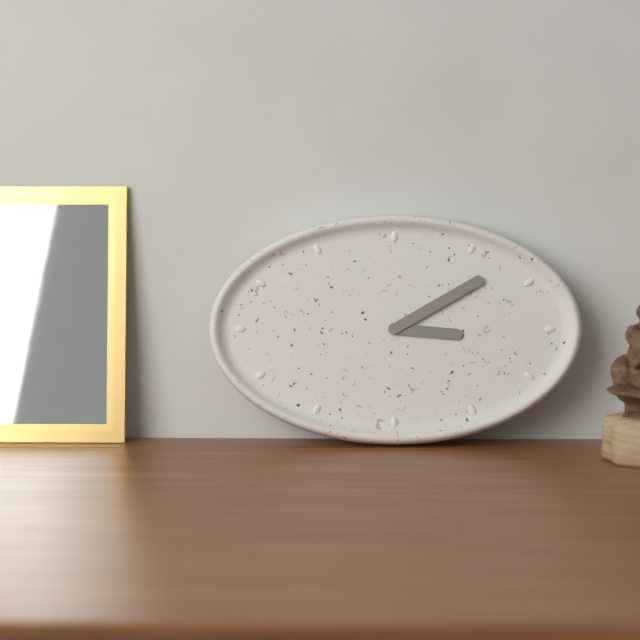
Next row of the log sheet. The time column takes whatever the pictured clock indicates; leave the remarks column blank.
3:10
